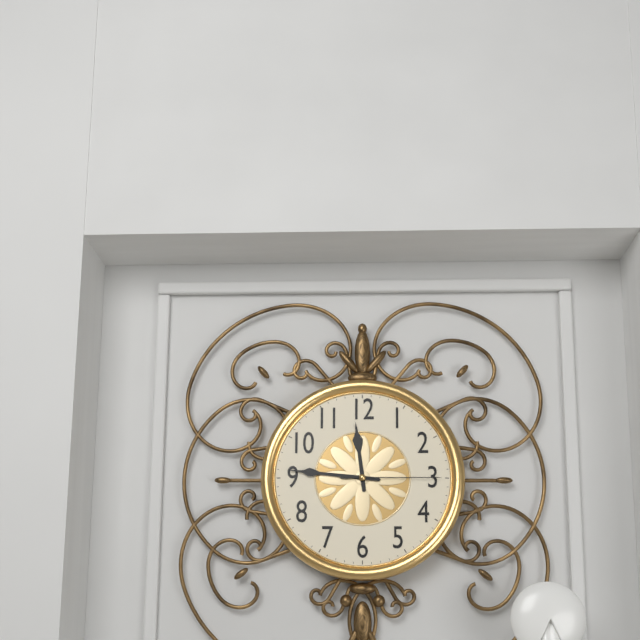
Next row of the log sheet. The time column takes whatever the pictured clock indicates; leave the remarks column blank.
11:46:15
